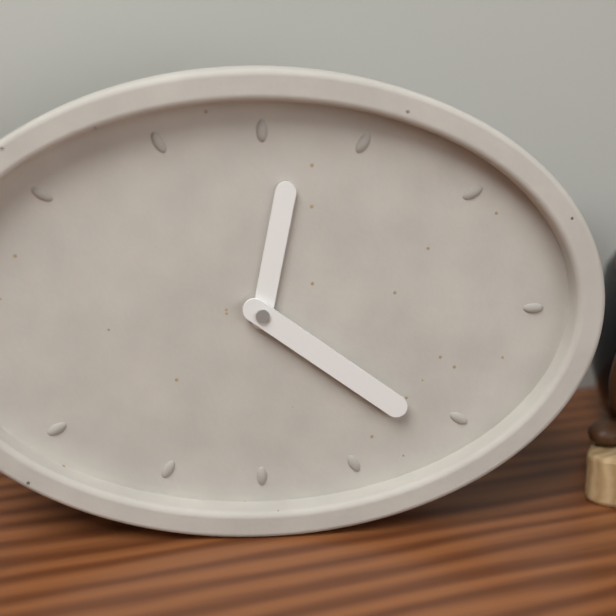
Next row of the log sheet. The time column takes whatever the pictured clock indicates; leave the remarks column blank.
12:21
